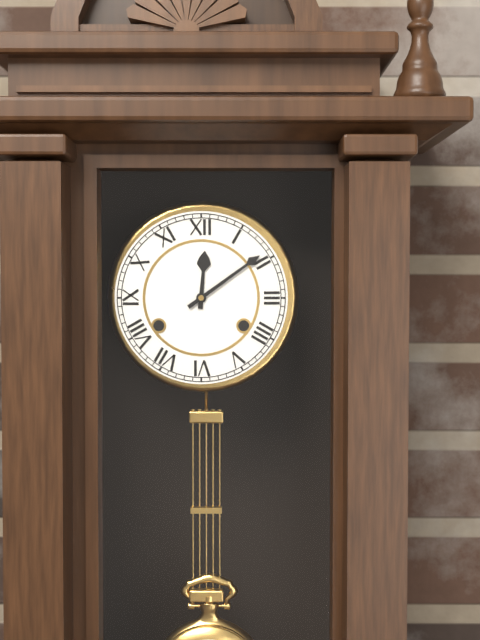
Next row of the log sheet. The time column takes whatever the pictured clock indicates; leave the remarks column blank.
12:09
